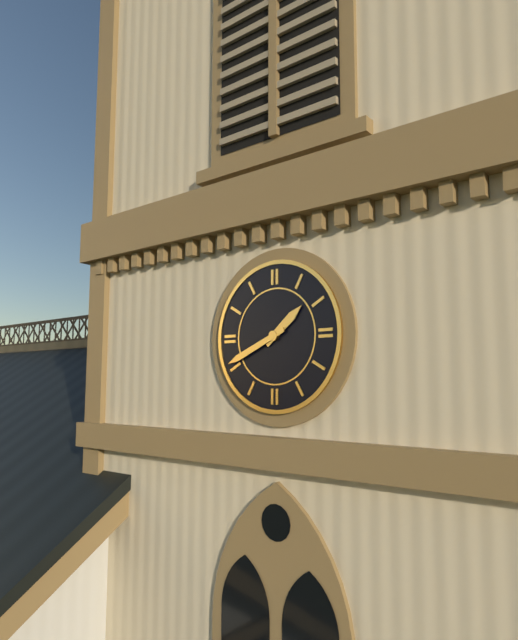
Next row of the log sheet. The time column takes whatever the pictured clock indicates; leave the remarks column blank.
1:41
